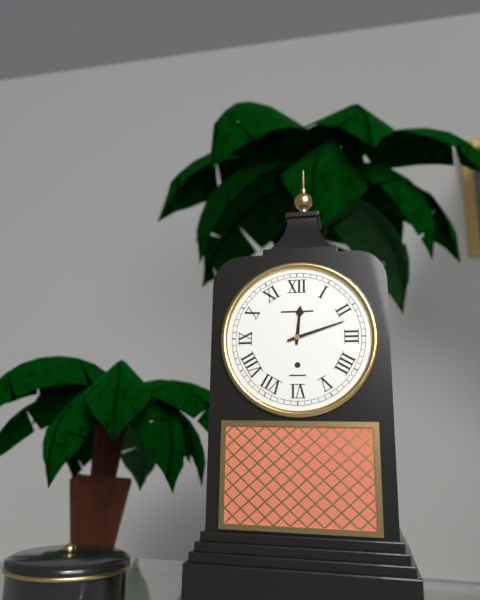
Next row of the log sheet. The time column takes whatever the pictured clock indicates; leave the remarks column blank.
12:12
